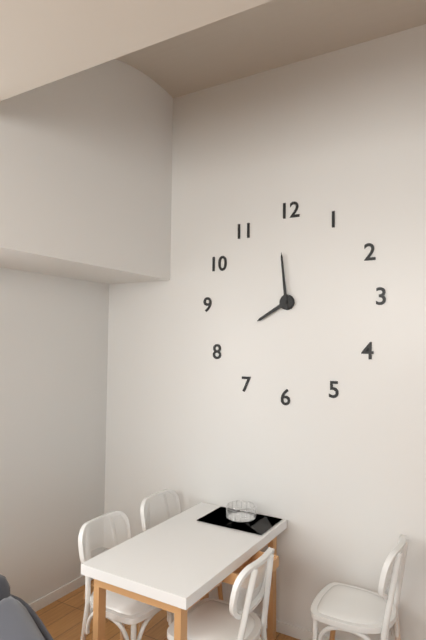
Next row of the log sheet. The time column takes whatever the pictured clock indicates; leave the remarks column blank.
7:59
